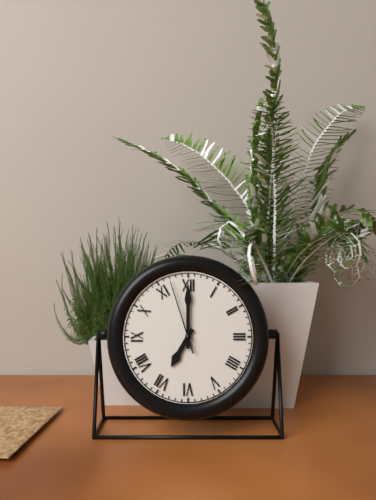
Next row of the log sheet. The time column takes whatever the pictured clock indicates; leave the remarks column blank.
7:00:57
